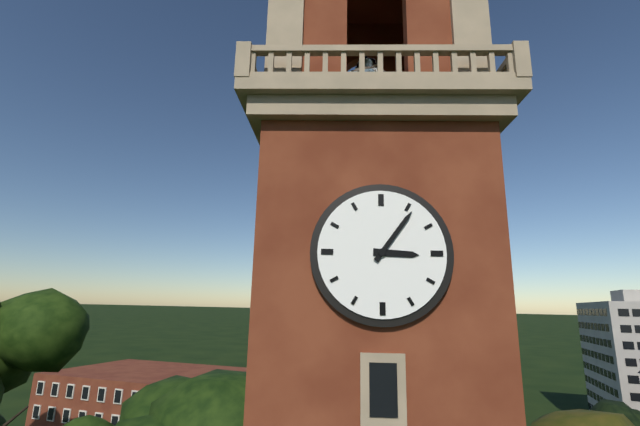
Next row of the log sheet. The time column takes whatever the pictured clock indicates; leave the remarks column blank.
3:06
